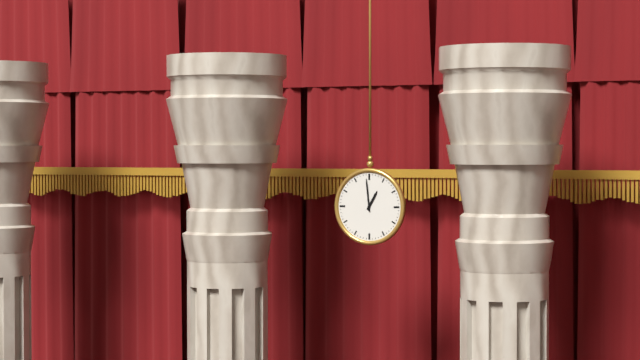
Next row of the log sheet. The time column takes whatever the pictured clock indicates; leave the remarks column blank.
12:59
